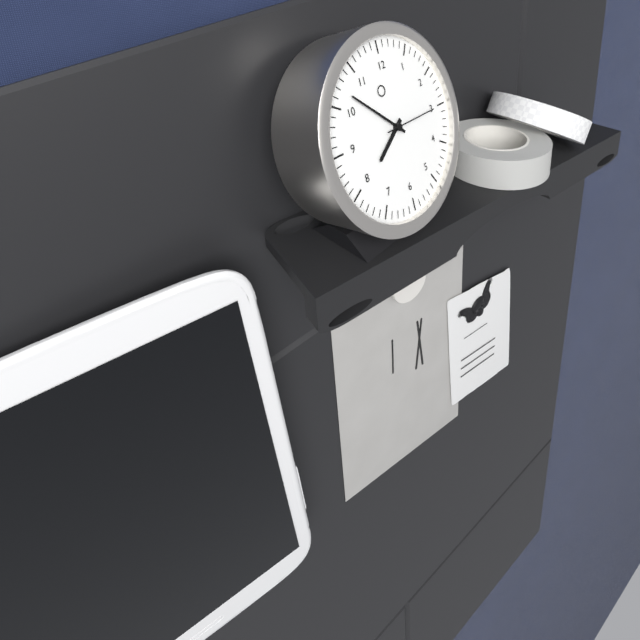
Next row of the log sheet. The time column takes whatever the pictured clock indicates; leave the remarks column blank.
7:52:15
